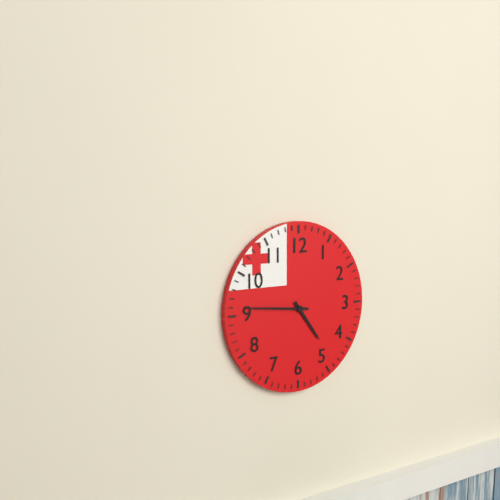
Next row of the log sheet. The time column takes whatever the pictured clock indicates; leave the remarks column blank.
4:46
